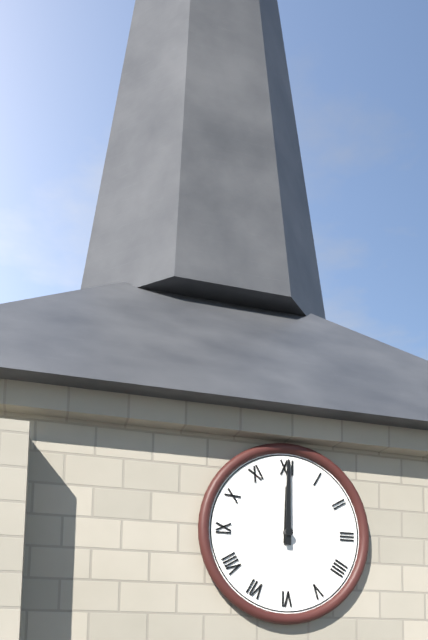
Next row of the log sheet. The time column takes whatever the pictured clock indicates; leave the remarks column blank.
12:00
